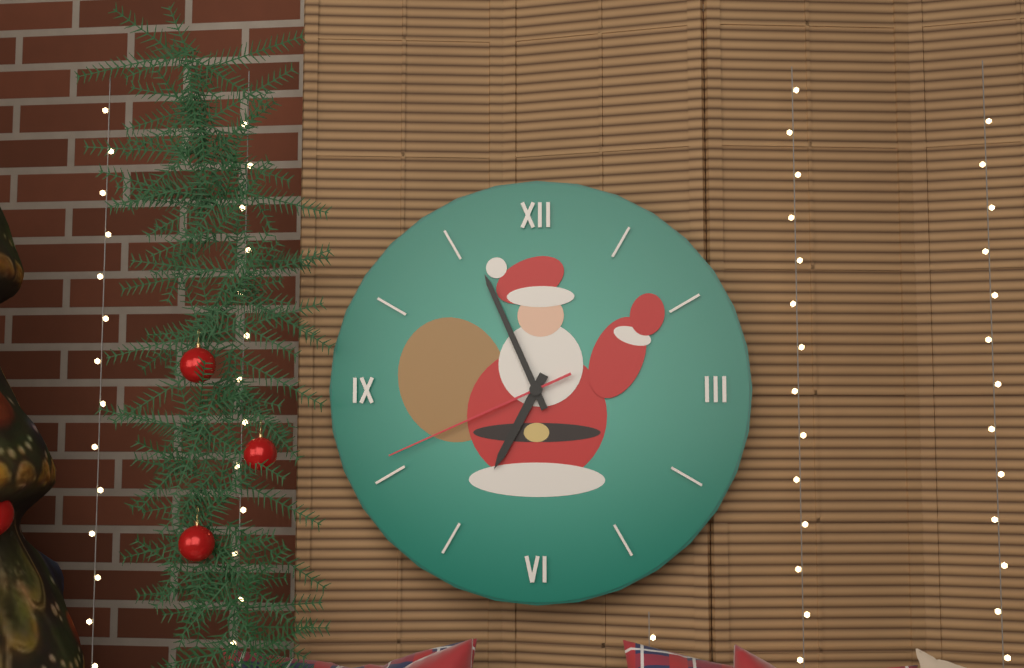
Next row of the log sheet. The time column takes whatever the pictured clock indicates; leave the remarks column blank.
6:56:41
